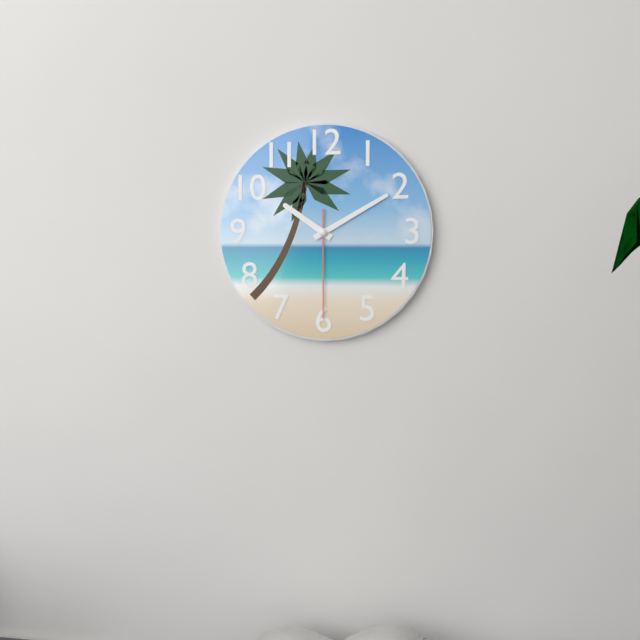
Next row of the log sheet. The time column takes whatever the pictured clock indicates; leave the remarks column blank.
10:10:30
